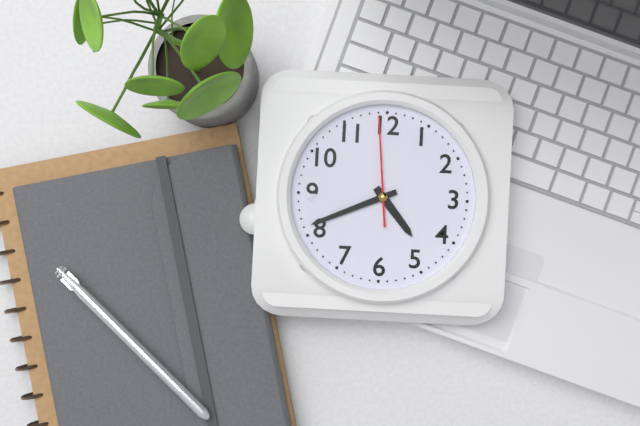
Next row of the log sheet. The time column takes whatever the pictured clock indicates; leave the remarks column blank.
4:41:59
